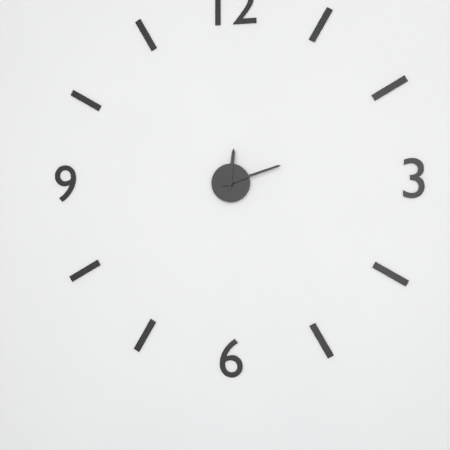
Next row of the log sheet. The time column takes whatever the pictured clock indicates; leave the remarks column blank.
12:12
